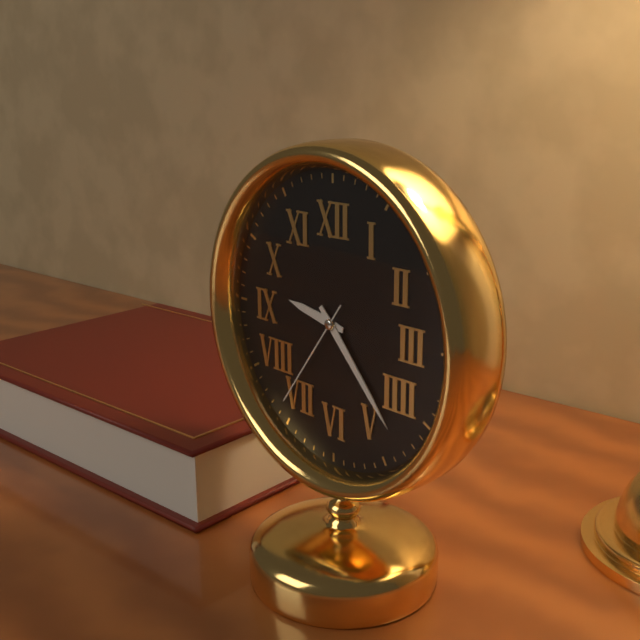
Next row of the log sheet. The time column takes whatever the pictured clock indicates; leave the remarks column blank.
9:23:36
